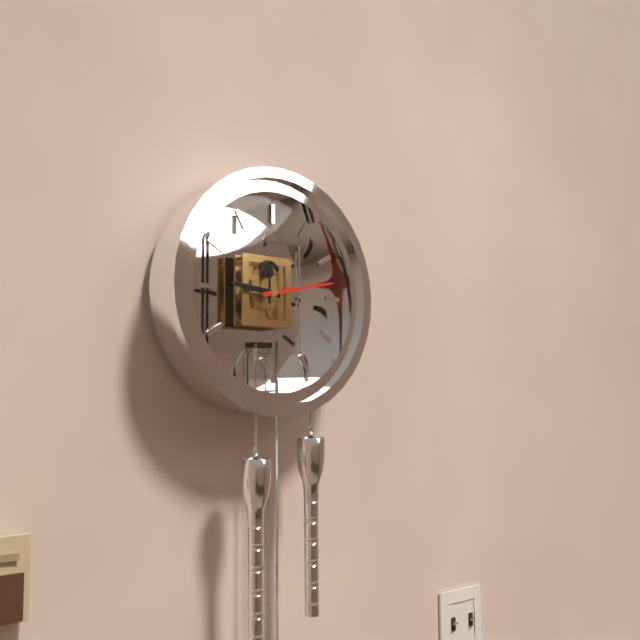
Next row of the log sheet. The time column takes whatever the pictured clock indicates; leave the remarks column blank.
9:13
